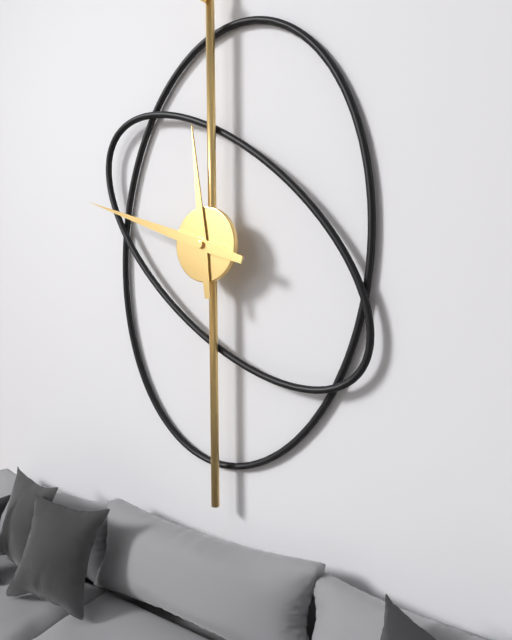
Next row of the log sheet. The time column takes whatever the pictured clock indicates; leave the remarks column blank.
11:48
